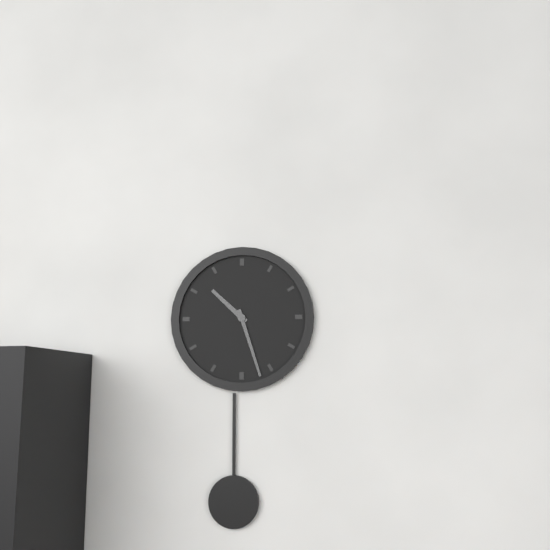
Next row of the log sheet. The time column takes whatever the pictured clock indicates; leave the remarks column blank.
10:27
